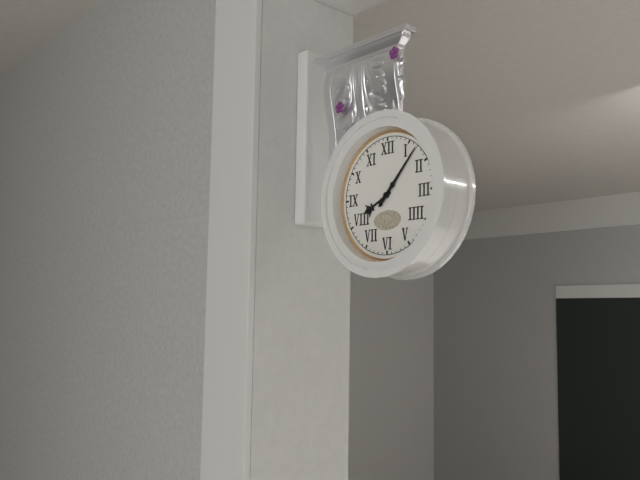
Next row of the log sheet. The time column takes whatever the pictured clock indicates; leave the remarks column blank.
8:07
